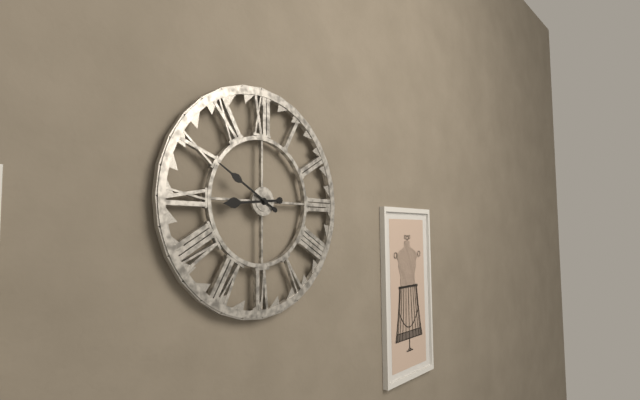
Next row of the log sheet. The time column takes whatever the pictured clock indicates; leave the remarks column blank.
8:50
